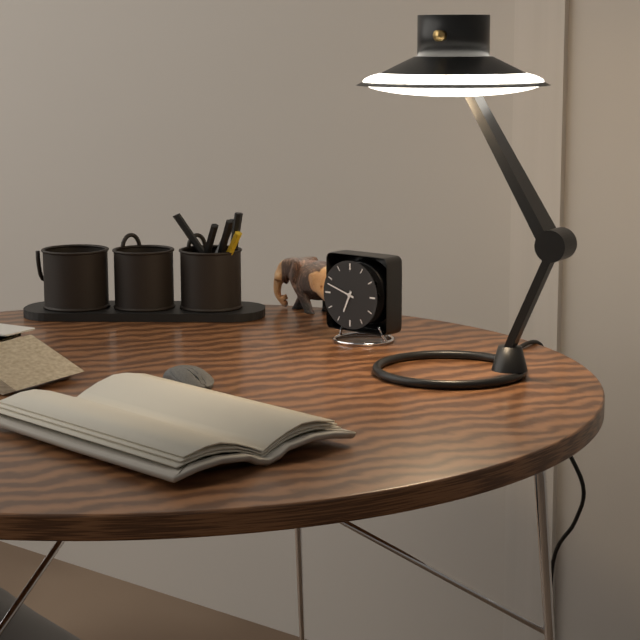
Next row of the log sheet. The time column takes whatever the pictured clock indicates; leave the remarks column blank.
6:48
